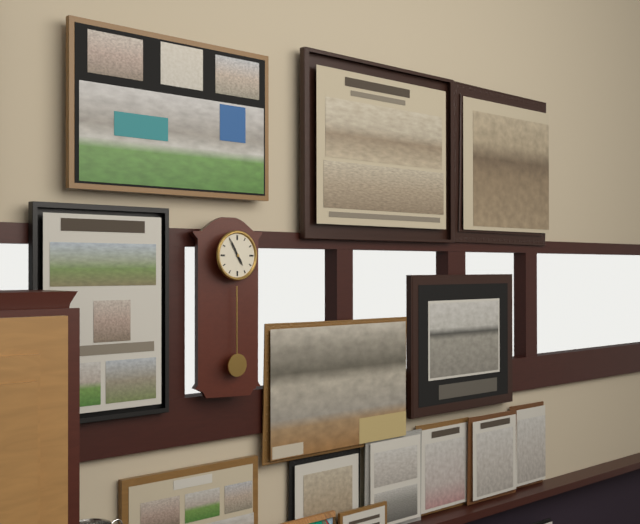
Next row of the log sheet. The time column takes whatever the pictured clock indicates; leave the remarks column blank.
4:55
